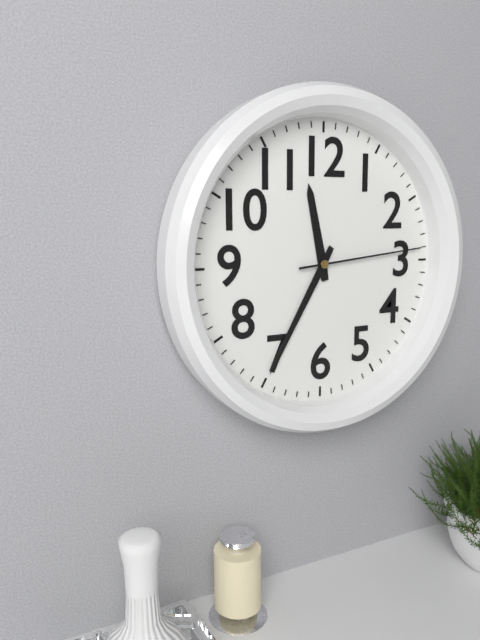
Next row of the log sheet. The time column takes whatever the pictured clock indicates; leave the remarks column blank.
11:35:14
